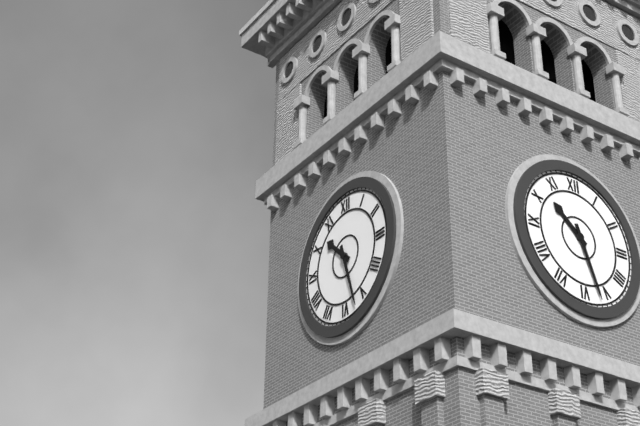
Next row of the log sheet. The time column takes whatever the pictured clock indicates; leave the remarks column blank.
10:27
